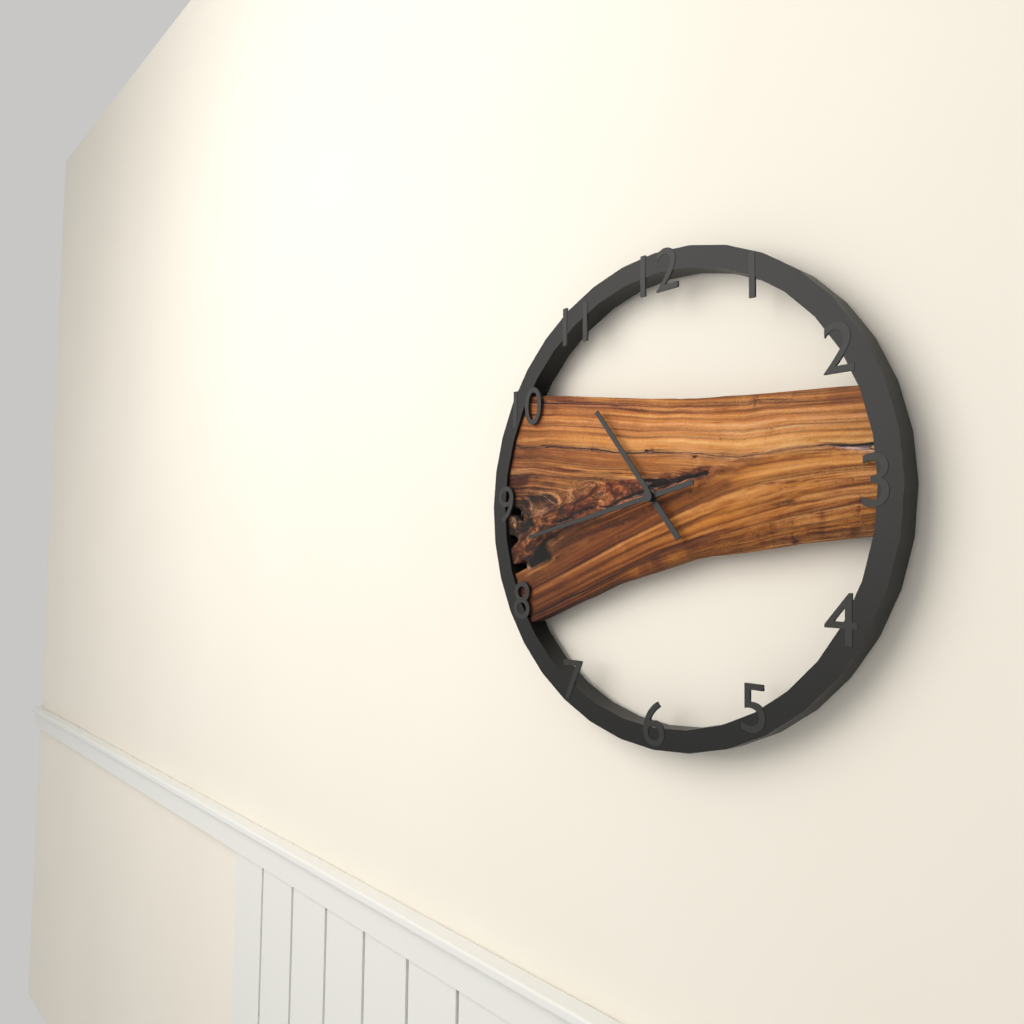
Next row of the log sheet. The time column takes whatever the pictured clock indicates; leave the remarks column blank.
10:43
